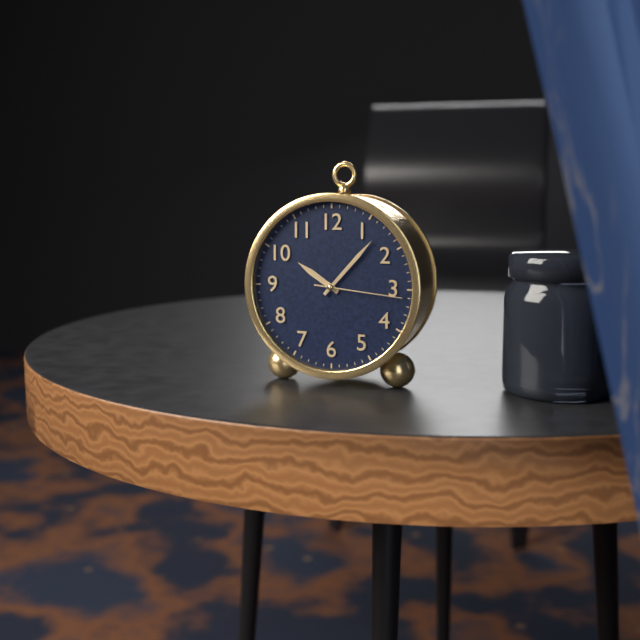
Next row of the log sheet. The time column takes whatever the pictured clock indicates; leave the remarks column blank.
10:07:16
